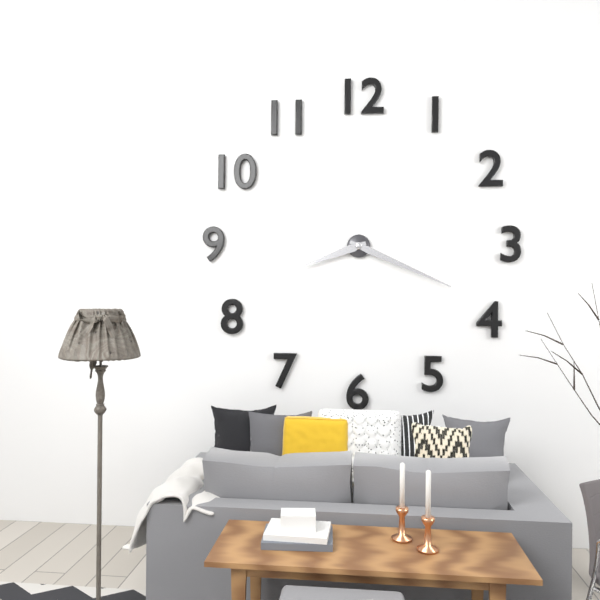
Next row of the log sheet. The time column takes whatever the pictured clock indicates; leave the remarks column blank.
8:19
